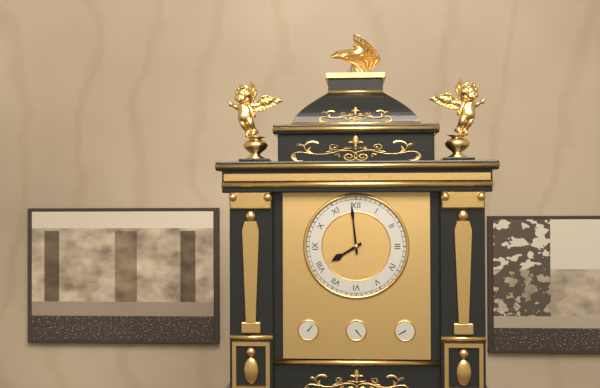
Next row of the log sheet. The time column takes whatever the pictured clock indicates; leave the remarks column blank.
7:59
